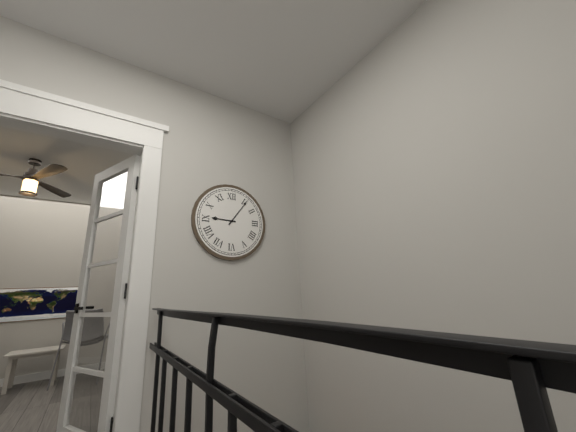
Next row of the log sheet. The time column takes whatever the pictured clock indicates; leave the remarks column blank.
9:06
